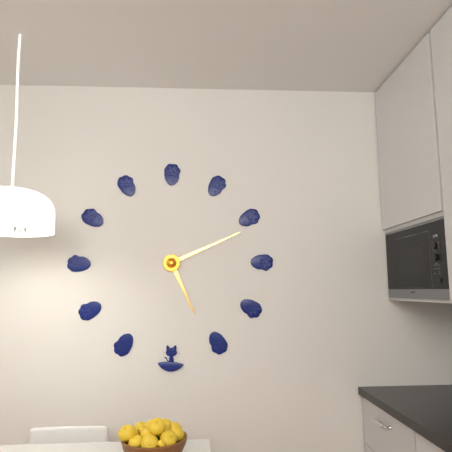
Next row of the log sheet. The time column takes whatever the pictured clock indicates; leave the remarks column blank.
5:11
